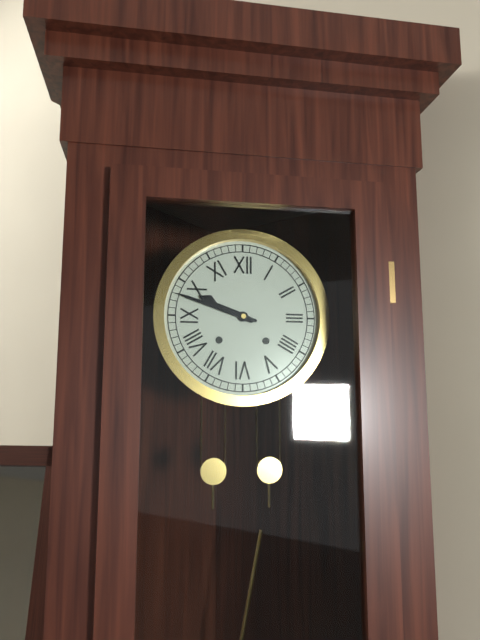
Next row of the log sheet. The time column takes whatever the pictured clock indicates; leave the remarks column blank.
9:48
